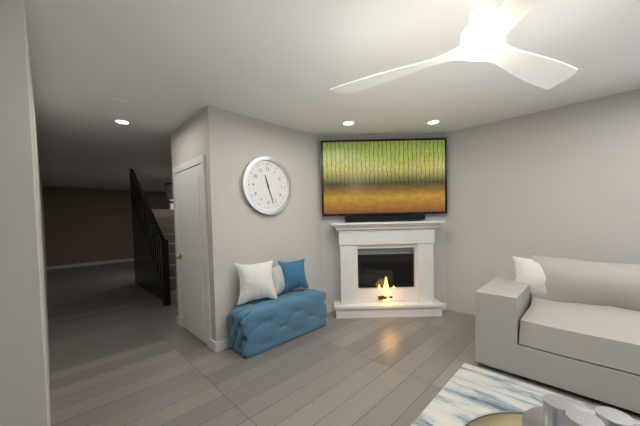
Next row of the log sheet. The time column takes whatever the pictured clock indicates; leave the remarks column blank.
11:27
